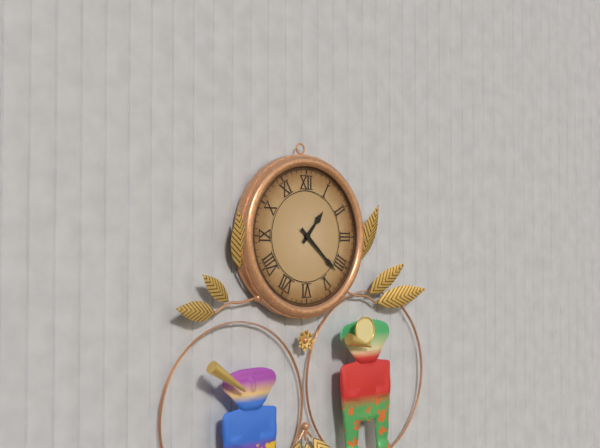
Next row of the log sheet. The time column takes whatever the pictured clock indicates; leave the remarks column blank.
1:22
